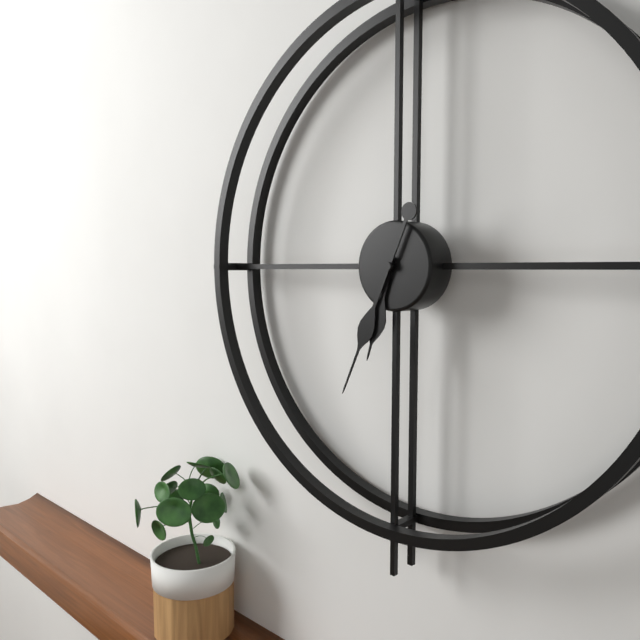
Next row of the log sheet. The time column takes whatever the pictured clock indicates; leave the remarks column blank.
6:34
